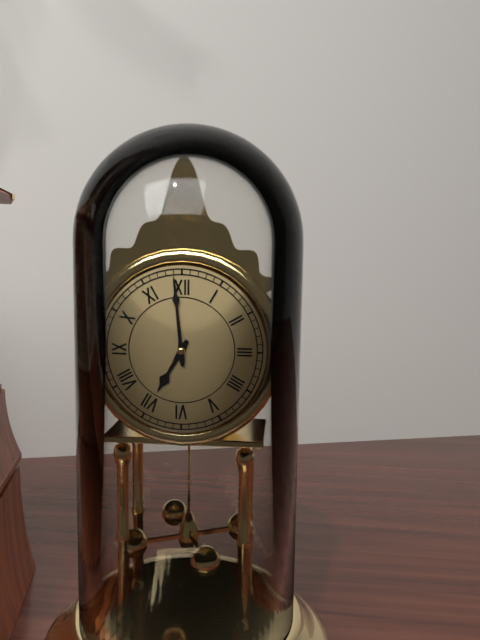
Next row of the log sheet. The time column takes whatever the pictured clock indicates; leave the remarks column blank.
6:59
